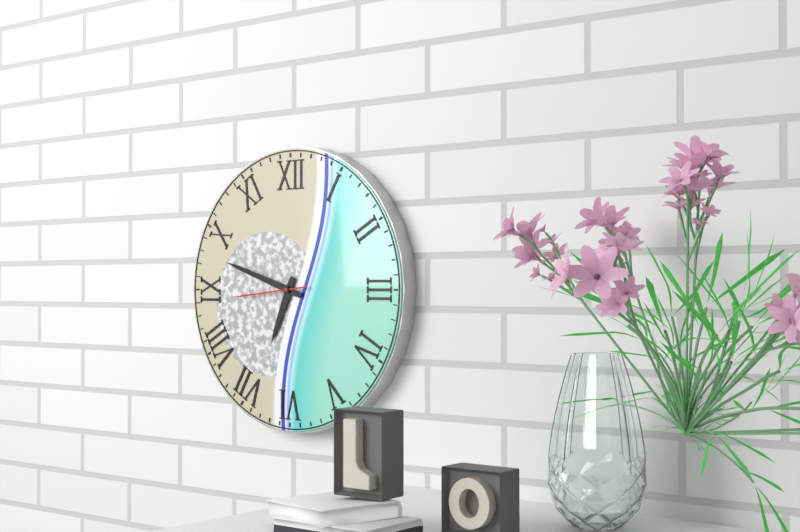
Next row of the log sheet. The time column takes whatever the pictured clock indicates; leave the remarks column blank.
6:48:44
